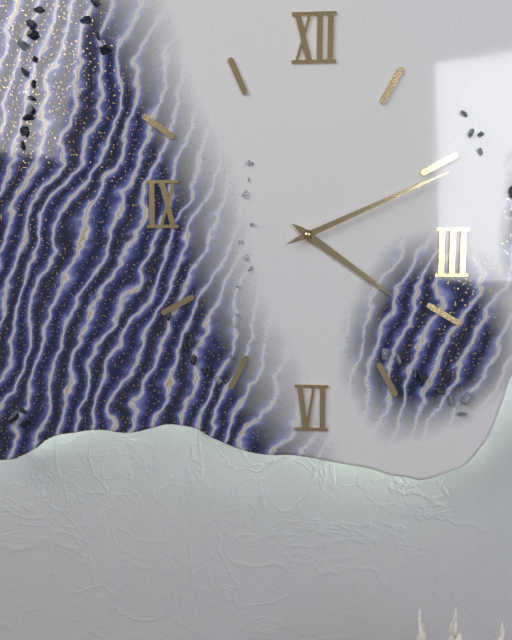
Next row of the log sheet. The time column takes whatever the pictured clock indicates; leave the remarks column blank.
4:11
